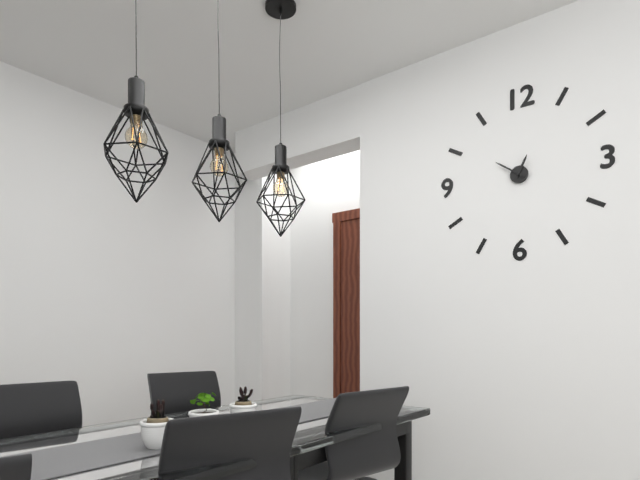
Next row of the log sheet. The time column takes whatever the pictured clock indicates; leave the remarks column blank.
12:51
